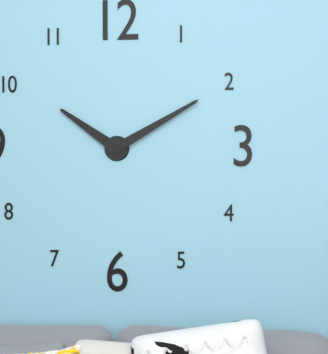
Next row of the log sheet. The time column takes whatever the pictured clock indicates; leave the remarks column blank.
10:10
